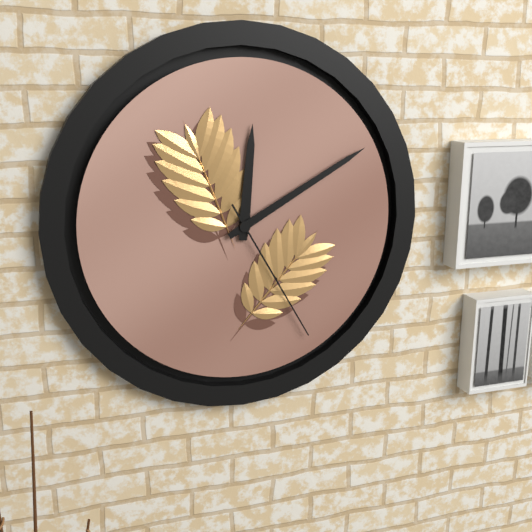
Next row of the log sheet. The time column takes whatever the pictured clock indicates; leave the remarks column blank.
12:10:25
